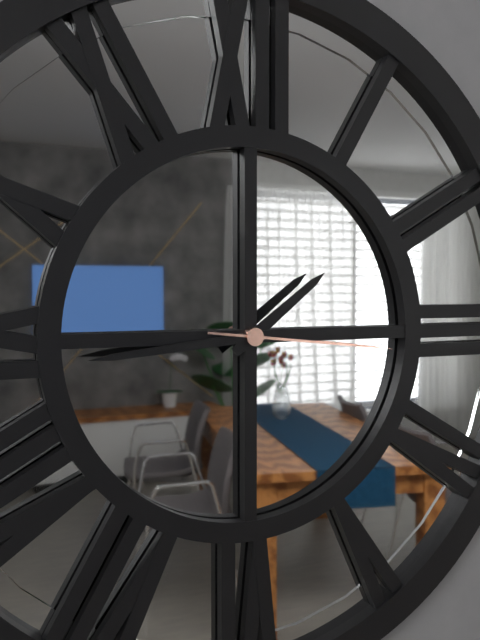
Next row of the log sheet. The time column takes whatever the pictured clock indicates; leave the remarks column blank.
1:44:16
